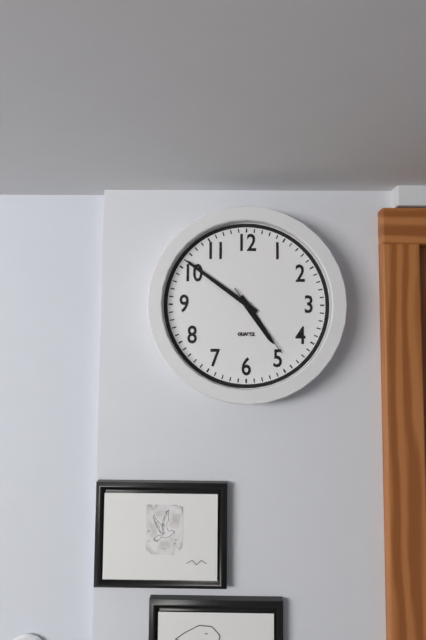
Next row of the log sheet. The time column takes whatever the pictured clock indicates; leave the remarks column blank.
4:51:24
